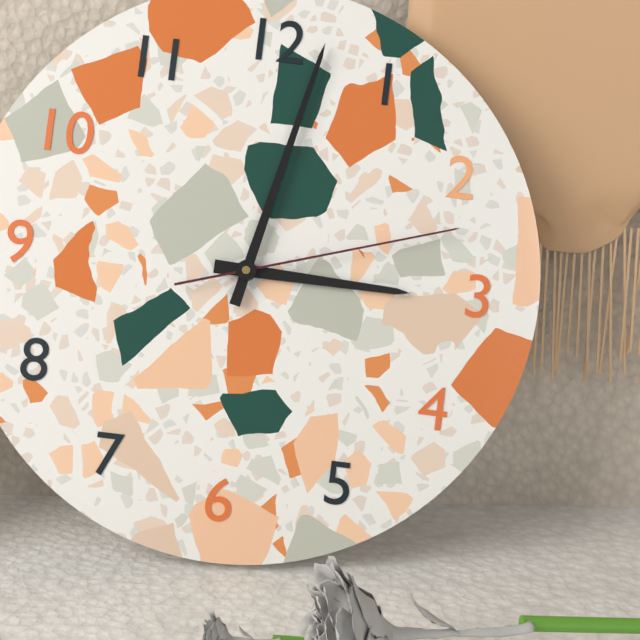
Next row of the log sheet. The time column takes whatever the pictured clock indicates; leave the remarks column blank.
3:02:12
